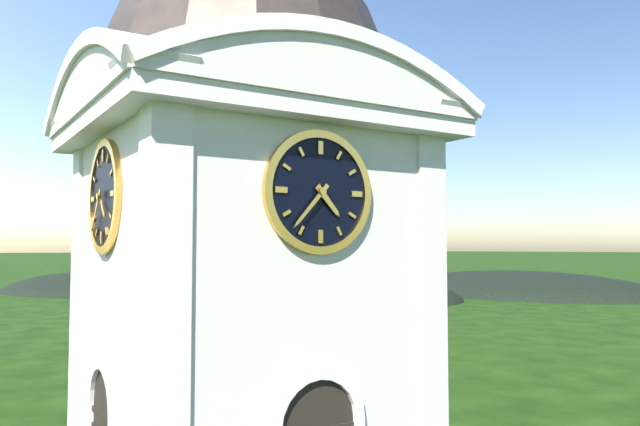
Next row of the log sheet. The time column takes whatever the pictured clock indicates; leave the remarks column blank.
4:37
